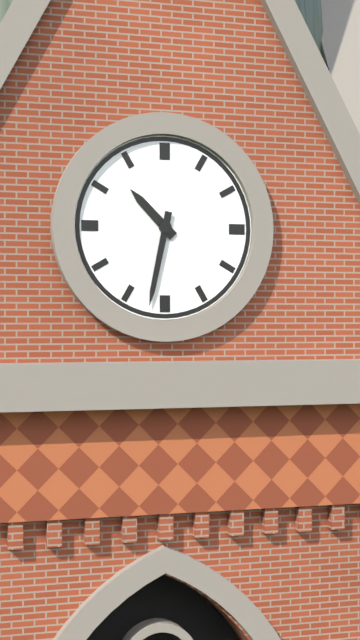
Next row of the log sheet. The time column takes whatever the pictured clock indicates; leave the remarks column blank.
10:32
